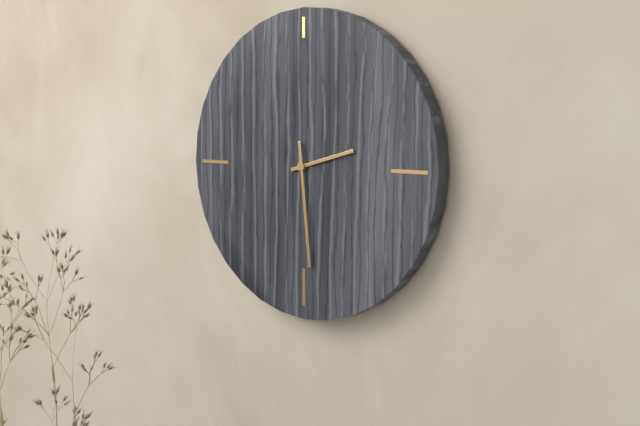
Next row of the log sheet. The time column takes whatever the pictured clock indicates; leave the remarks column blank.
2:29
